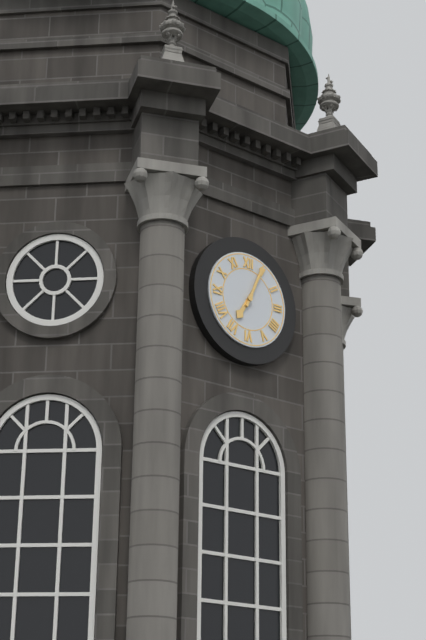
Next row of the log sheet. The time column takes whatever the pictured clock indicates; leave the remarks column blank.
7:04
